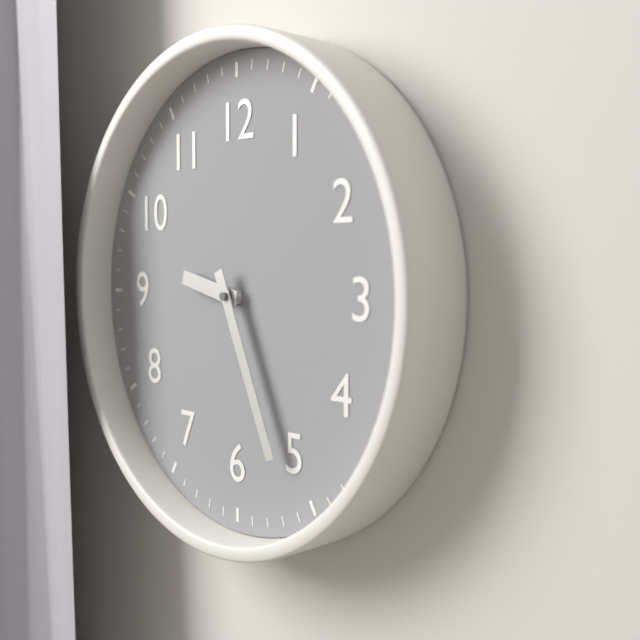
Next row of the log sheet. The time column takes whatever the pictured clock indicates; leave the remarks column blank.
9:26
